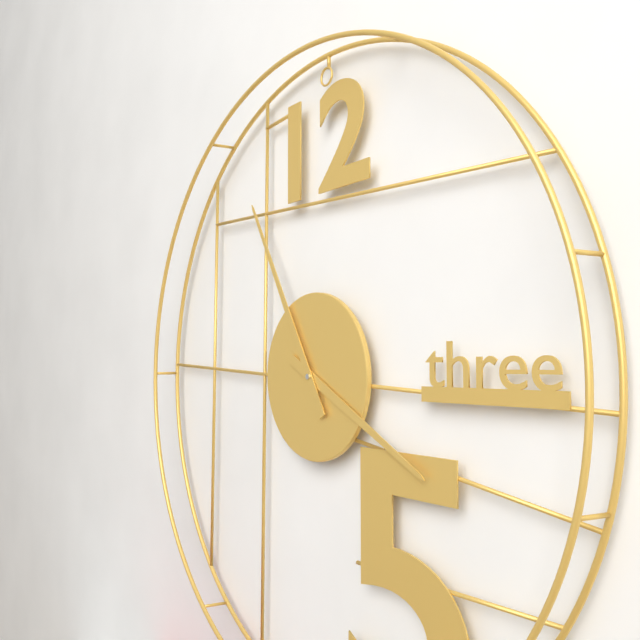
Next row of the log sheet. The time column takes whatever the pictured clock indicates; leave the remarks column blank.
3:55
